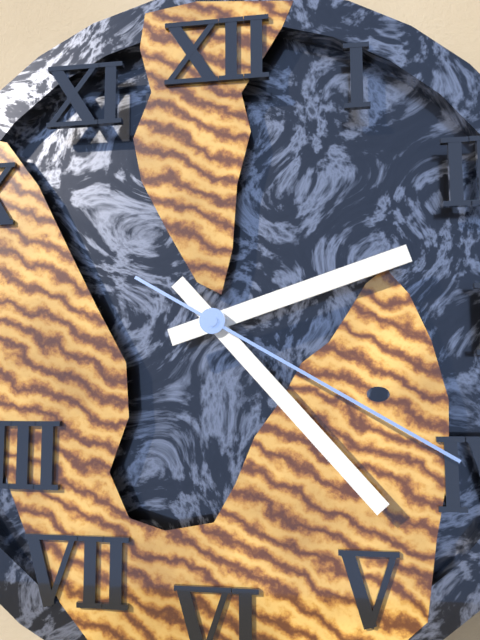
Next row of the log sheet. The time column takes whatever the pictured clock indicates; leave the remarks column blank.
2:23:20
